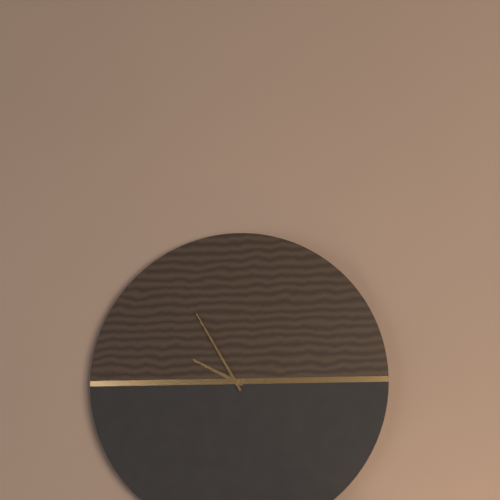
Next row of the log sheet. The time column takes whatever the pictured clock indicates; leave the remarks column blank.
9:55
